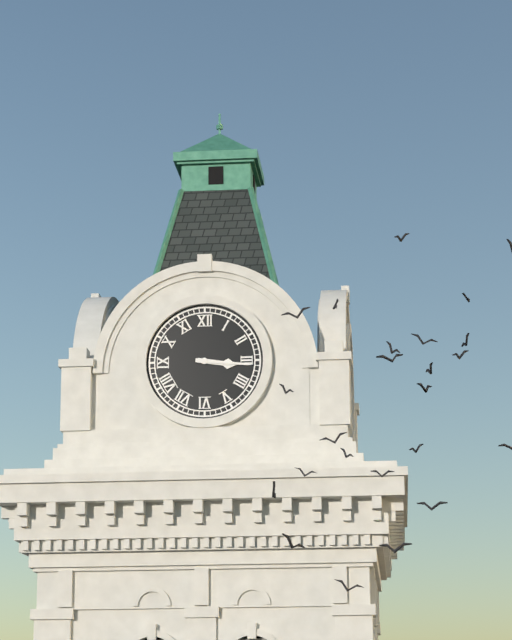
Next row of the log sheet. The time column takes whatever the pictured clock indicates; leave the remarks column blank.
3:16
